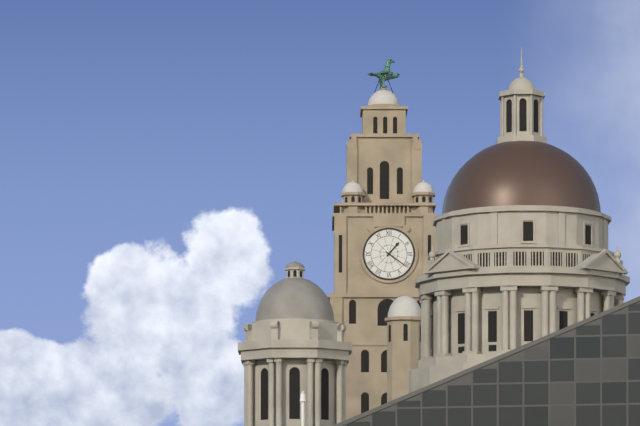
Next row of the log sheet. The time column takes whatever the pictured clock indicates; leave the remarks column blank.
1:21
